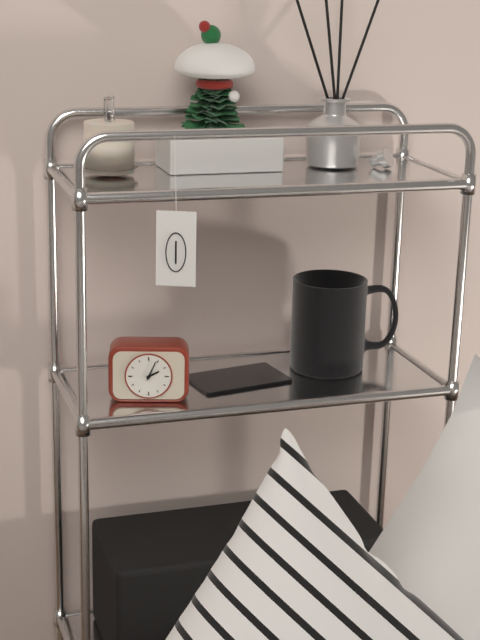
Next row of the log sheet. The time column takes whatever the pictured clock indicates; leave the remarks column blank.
2:04
